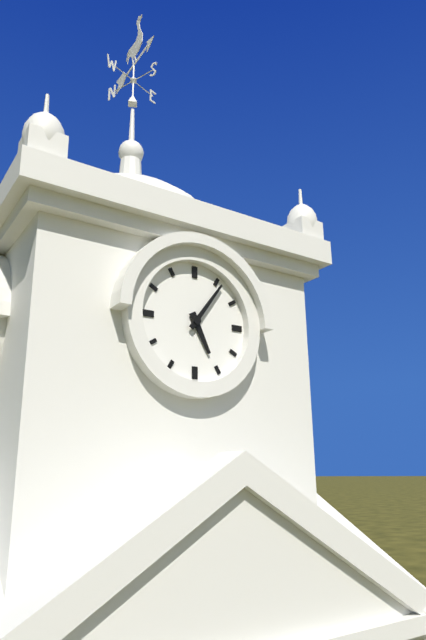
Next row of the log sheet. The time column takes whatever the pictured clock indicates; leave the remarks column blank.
5:06
